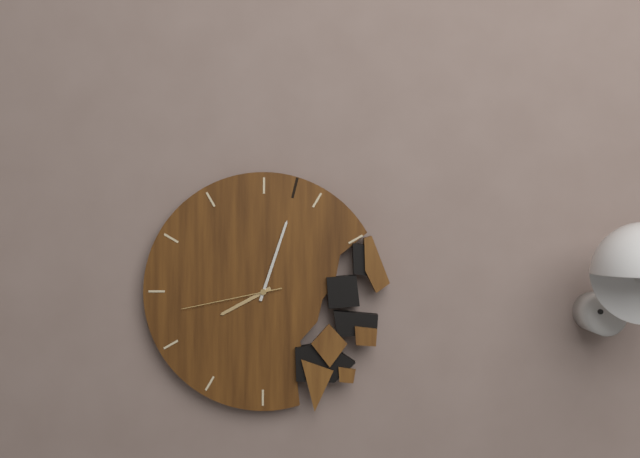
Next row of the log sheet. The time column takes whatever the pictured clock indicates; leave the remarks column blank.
8:03:43
